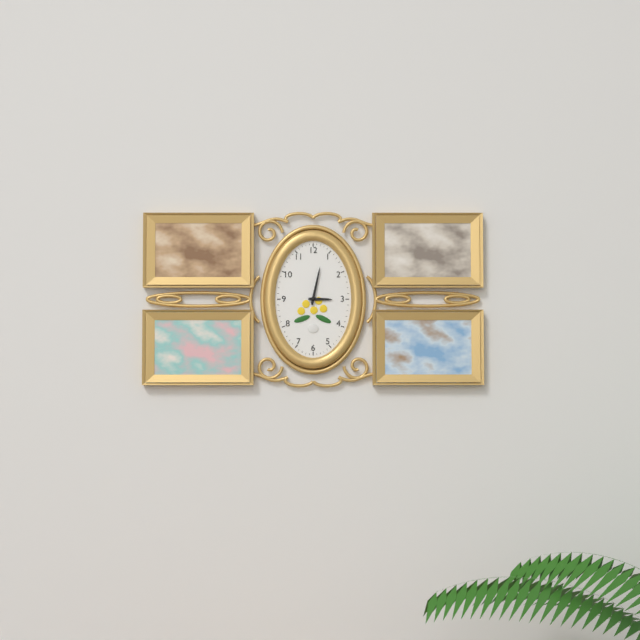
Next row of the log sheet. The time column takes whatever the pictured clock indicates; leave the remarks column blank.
3:02
